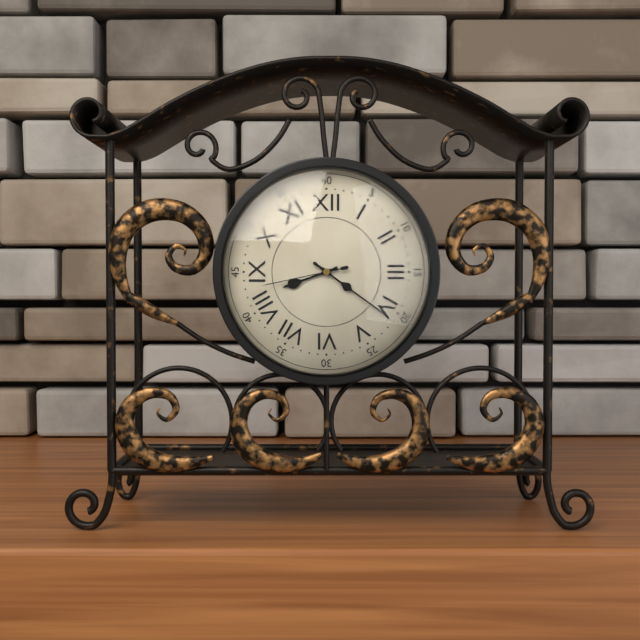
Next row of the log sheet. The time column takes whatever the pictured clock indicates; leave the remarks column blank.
8:21:43
